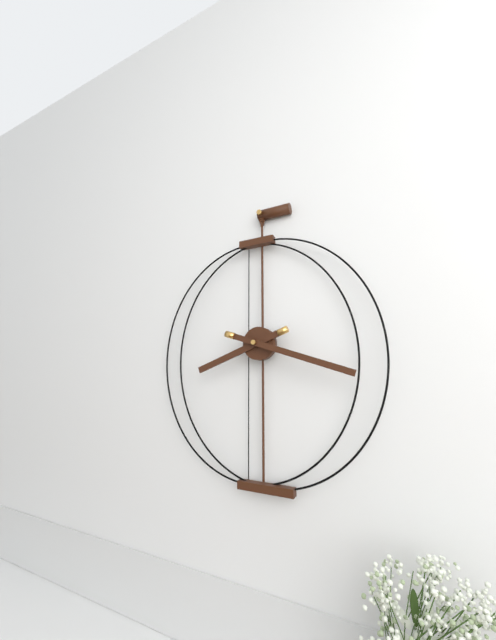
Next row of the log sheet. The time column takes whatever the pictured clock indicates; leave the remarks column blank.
8:18
